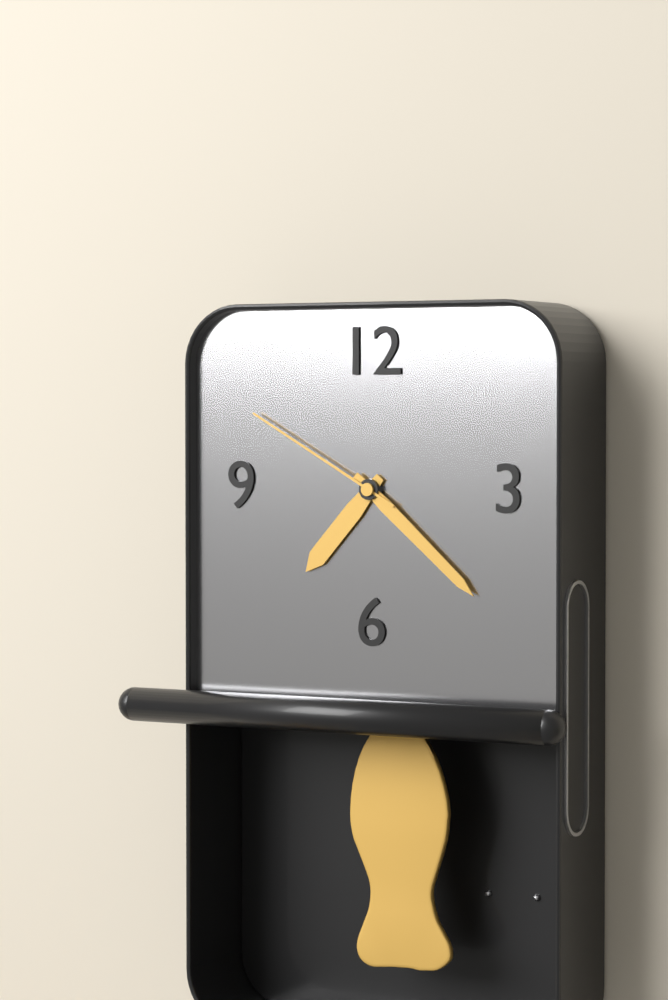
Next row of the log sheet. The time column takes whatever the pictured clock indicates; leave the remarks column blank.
7:22:50
